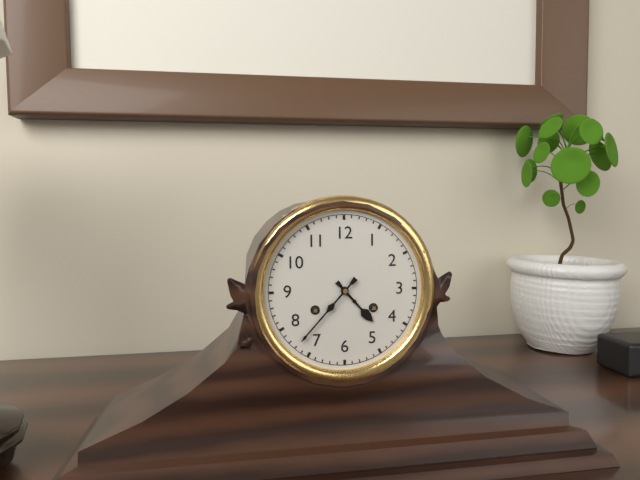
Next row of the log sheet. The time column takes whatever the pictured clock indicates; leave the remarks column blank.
4:37
